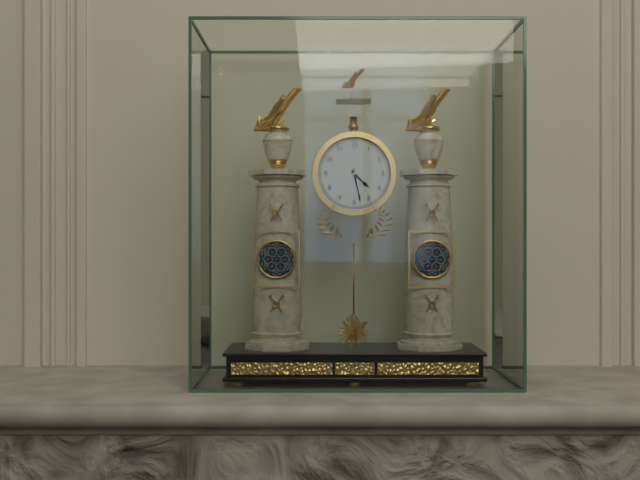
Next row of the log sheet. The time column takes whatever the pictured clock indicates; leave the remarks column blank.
4:28
